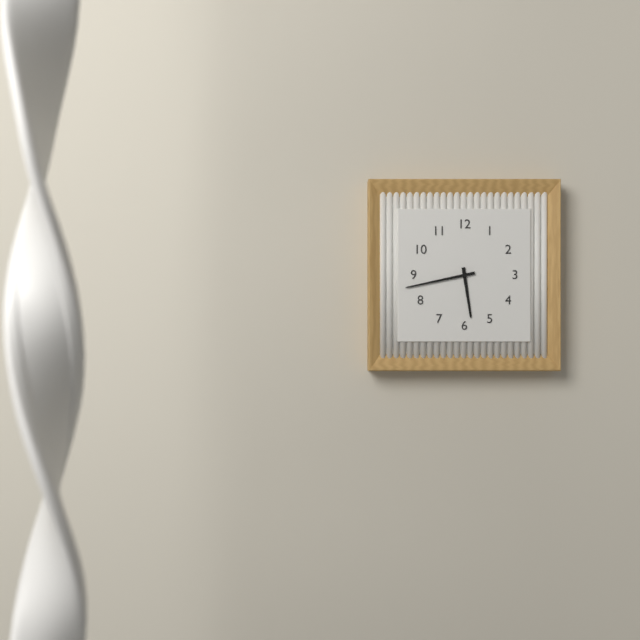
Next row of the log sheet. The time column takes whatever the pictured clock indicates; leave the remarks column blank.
5:43
